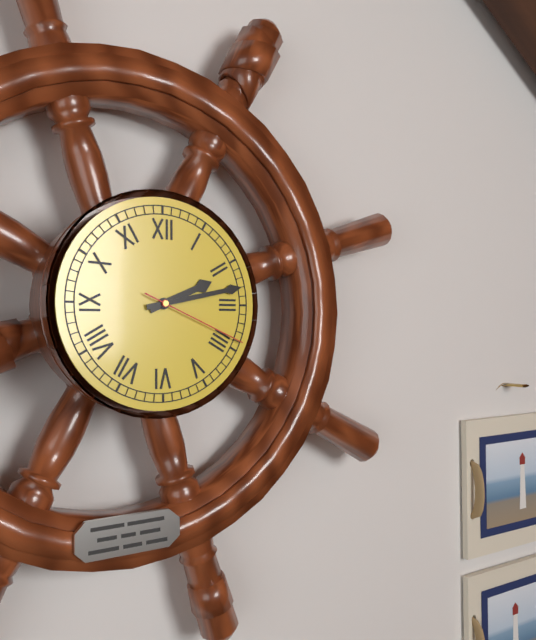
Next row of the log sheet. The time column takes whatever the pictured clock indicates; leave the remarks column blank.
2:13:19
